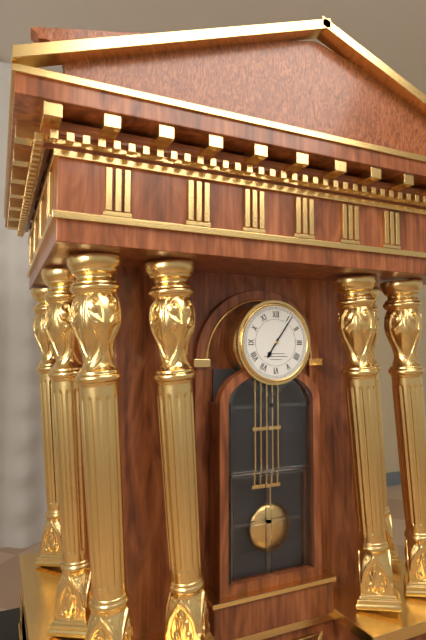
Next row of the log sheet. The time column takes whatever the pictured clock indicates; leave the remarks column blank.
7:06
